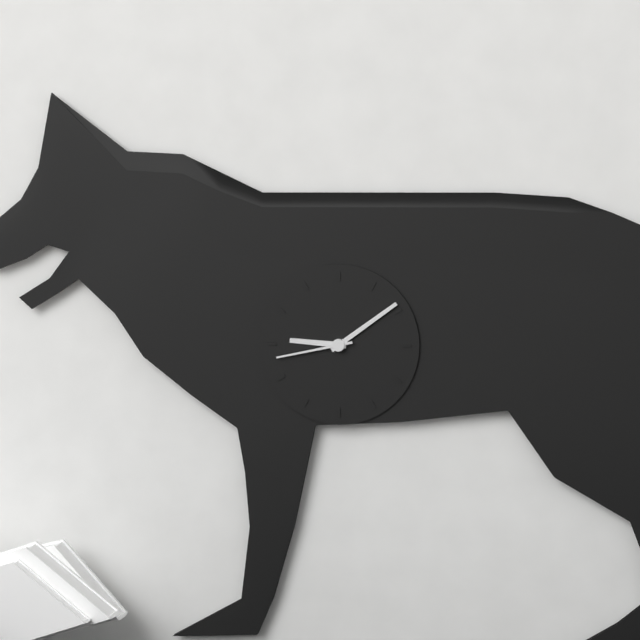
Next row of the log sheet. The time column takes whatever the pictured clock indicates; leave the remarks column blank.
9:09:43
